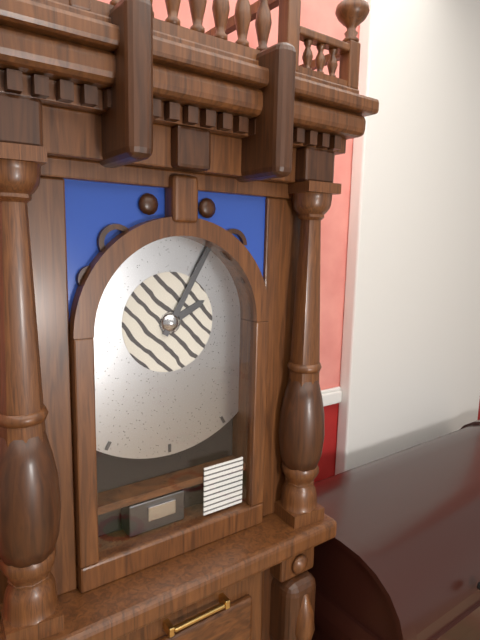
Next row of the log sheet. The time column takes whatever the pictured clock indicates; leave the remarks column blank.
2:05
